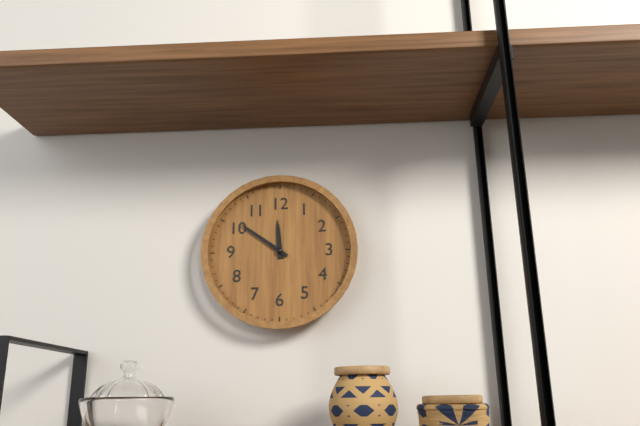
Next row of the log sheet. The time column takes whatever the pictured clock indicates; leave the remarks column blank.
11:51
